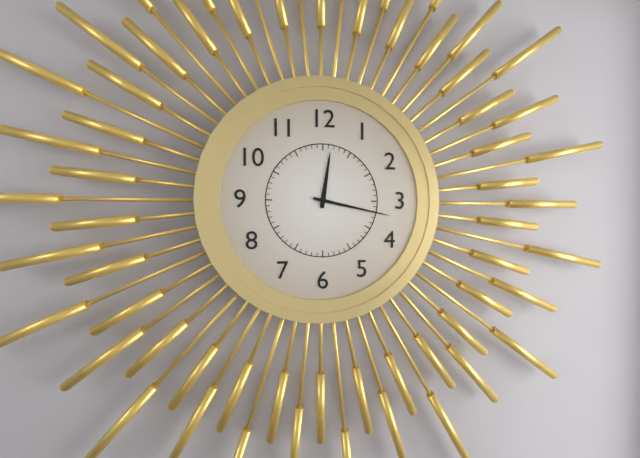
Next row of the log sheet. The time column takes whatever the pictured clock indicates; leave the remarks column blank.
12:17
